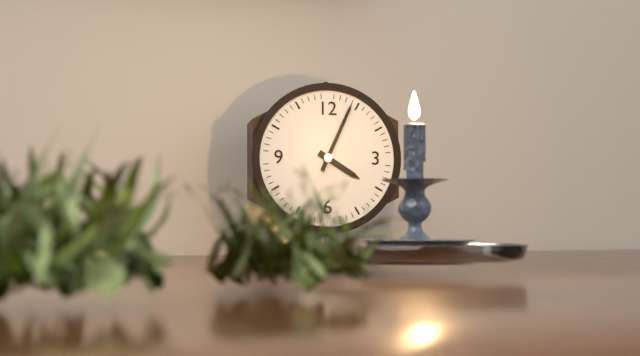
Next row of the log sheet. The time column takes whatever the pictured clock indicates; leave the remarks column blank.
4:04
